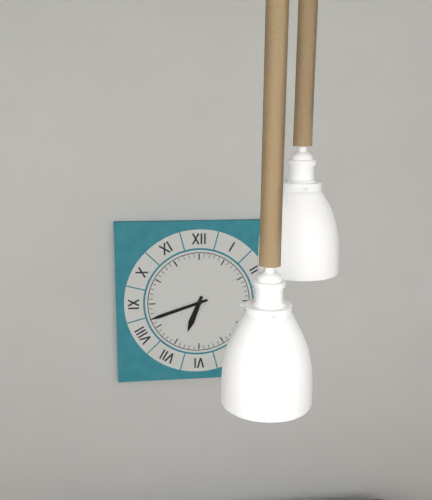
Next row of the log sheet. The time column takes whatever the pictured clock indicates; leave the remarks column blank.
6:42
